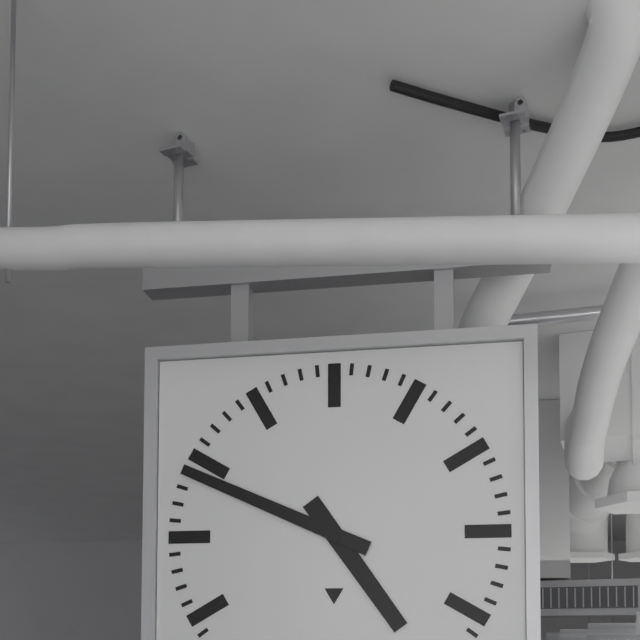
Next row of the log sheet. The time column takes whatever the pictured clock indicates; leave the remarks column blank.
4:49
